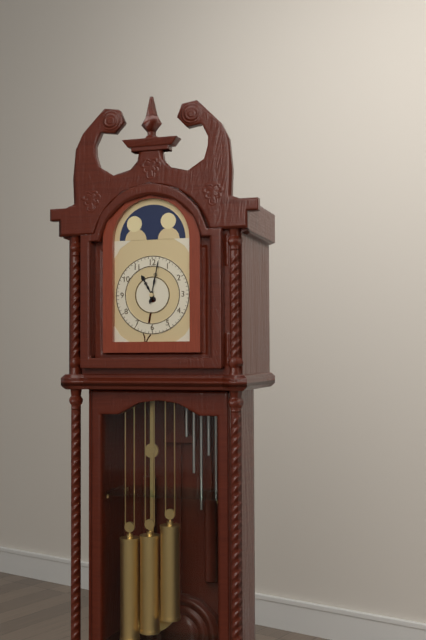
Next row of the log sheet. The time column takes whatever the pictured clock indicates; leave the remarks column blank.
11:02
